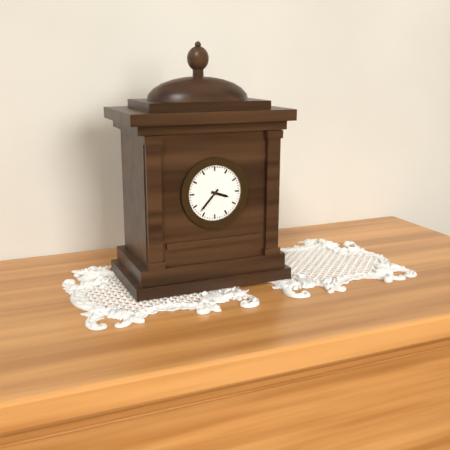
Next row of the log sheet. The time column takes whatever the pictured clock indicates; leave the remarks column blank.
3:37
